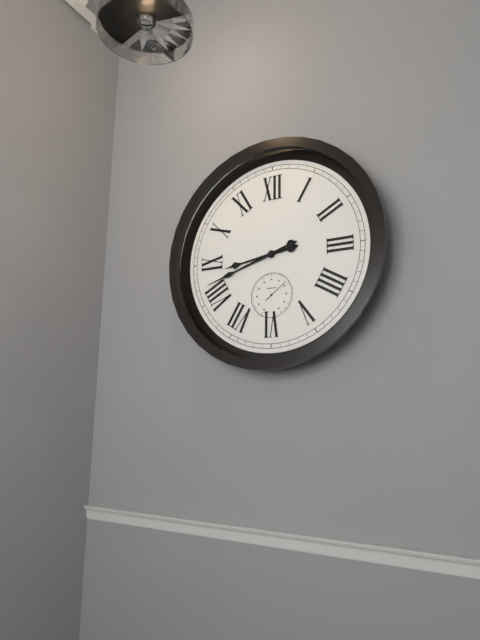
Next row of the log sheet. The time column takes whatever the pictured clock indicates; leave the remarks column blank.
8:42
